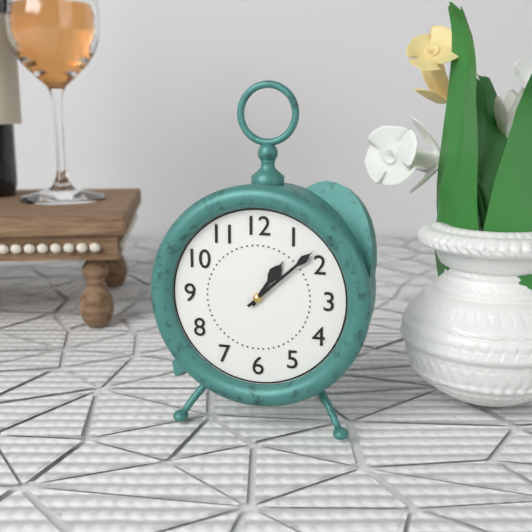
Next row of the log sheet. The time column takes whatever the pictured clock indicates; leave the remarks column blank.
1:08
